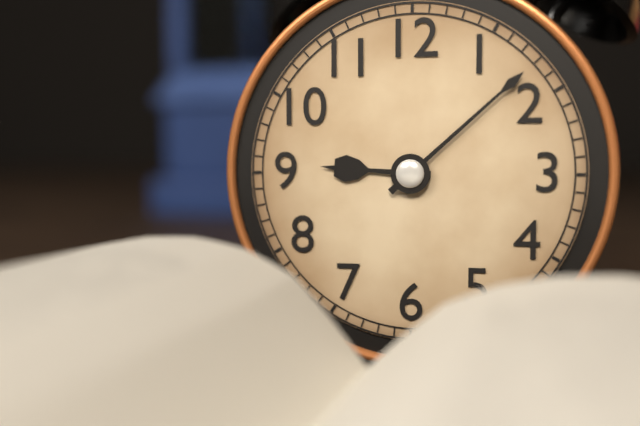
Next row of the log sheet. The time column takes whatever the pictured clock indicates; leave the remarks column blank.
9:08
